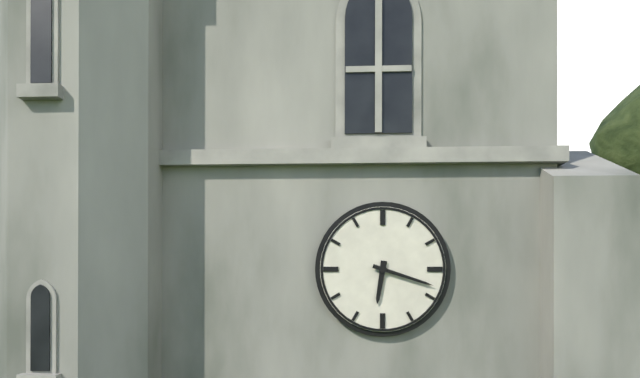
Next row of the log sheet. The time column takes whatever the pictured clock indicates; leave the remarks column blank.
6:18
